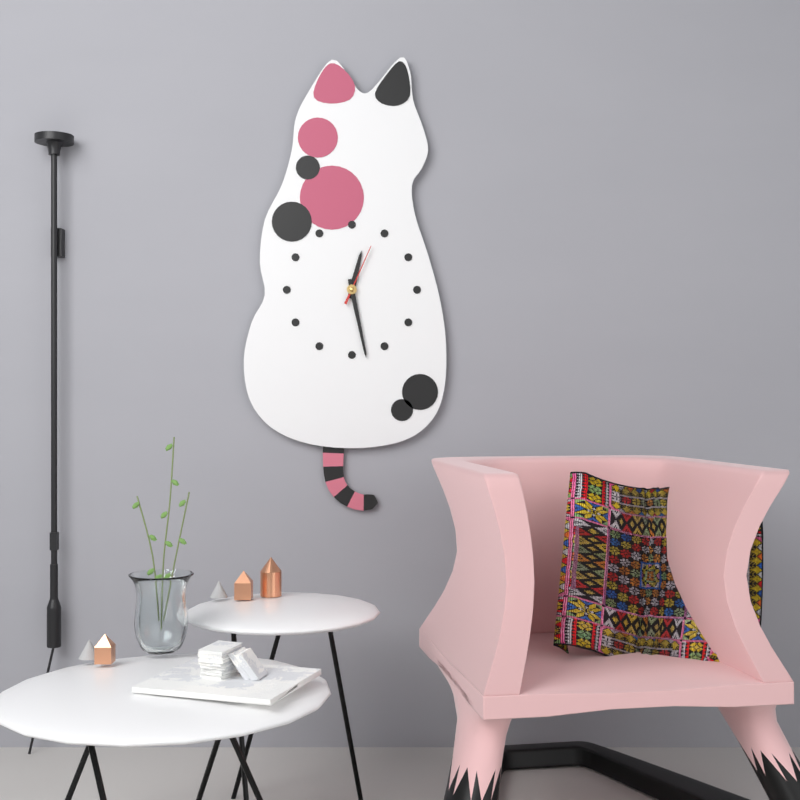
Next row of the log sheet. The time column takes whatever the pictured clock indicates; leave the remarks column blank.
12:28:04
